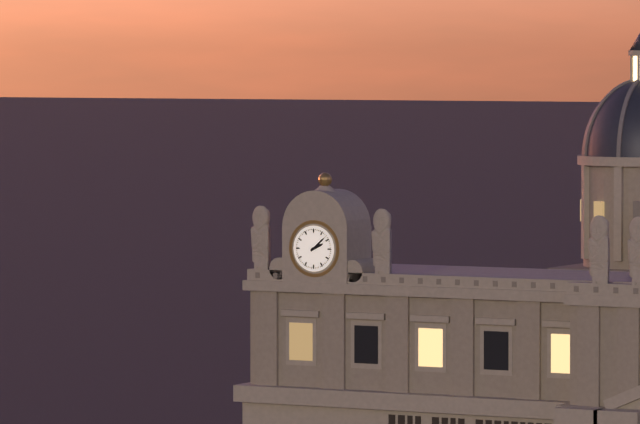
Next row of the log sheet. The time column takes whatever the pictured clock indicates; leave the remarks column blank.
2:08
